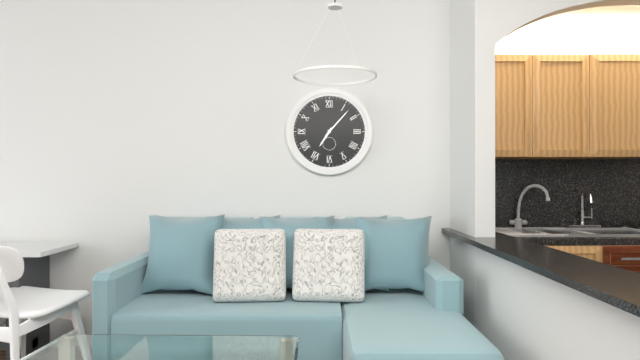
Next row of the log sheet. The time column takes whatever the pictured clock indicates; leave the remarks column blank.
7:07
